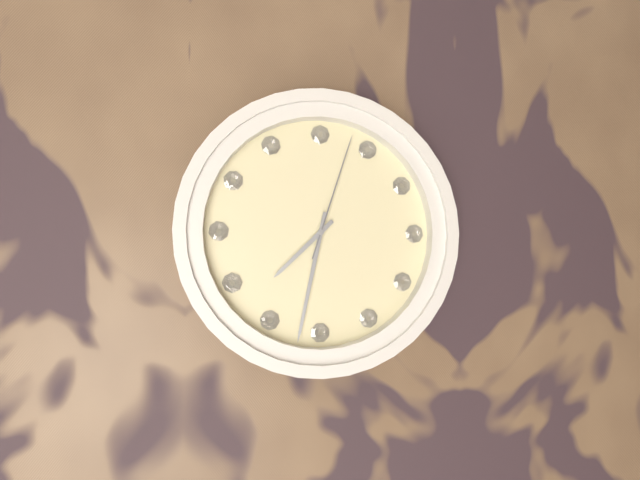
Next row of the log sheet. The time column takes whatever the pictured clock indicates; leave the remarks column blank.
7:32:03
